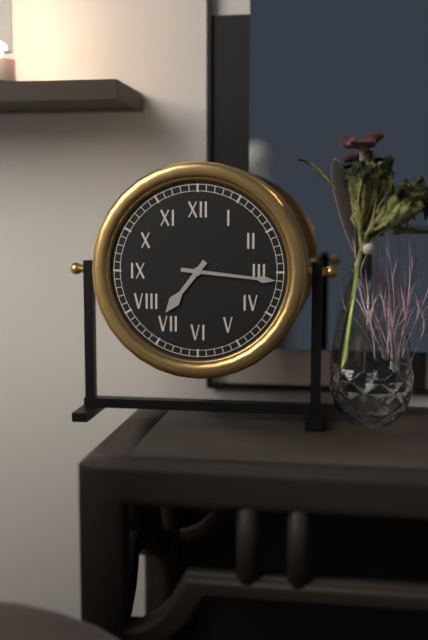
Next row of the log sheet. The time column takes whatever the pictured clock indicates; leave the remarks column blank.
7:16
